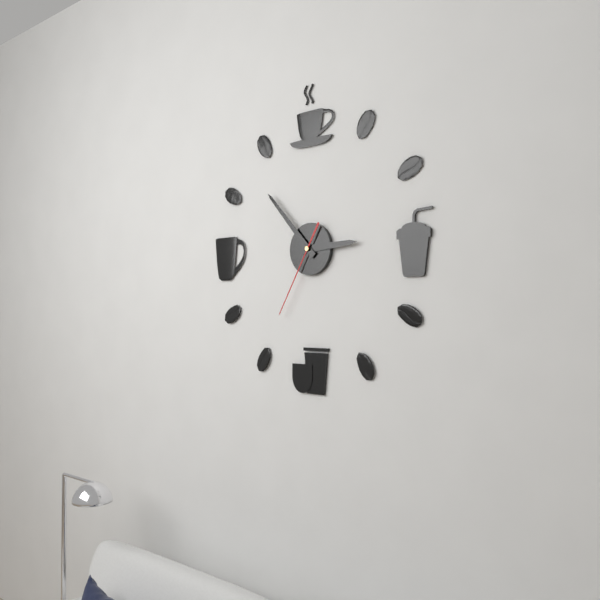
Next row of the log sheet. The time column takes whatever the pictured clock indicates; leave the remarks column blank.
2:53:35
